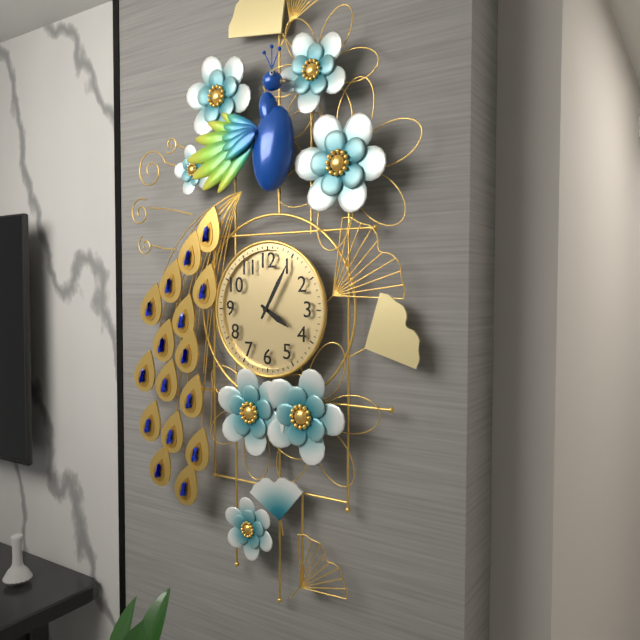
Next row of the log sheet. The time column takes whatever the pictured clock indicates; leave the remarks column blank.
4:05
